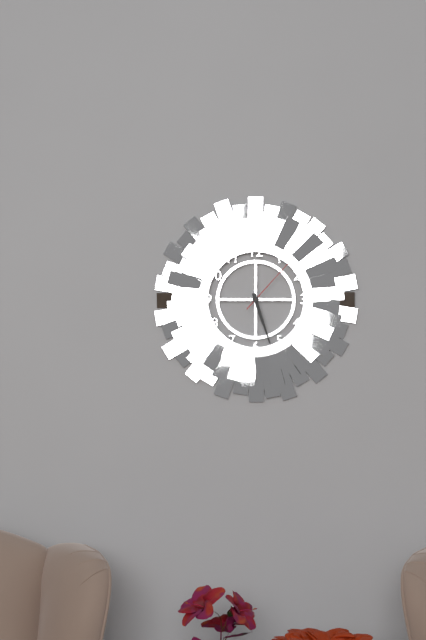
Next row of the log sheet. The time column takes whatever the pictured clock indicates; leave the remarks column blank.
5:27:07
